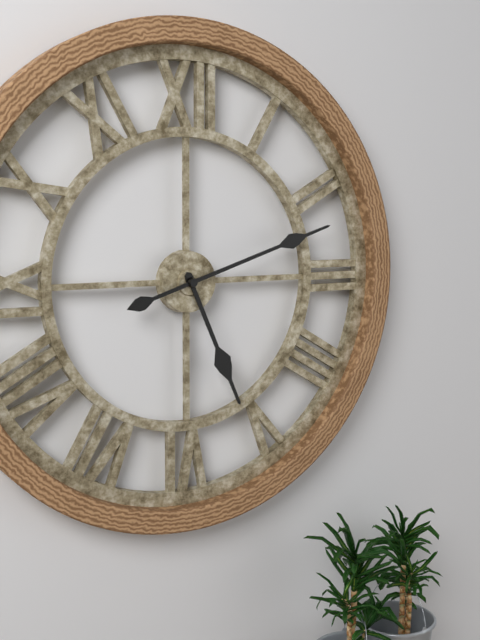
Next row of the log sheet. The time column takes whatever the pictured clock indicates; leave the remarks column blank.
5:12
